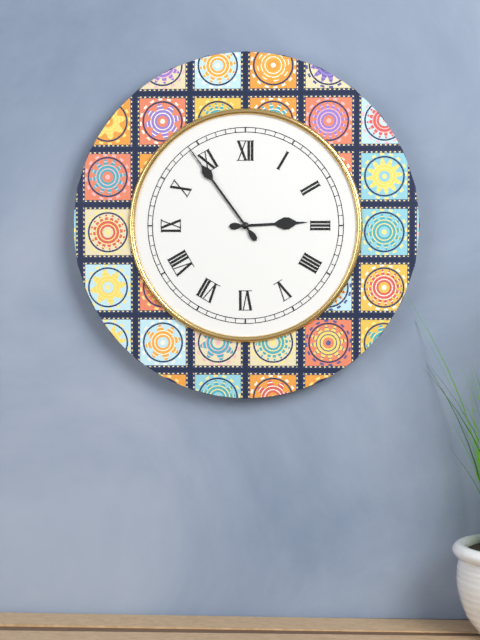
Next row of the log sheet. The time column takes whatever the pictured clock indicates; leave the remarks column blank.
2:54
